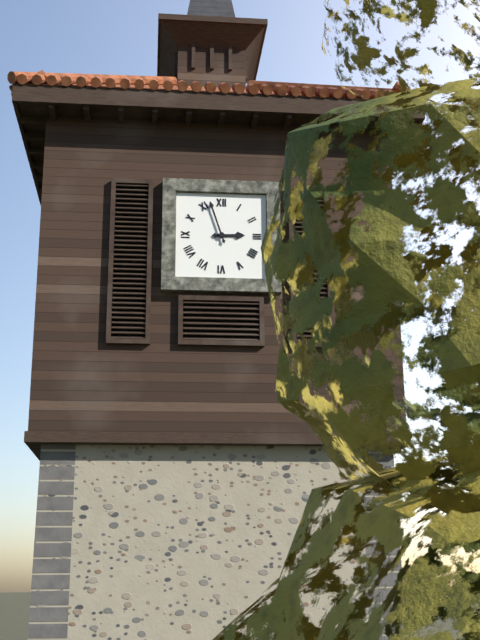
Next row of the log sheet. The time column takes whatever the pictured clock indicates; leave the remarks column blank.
2:57
